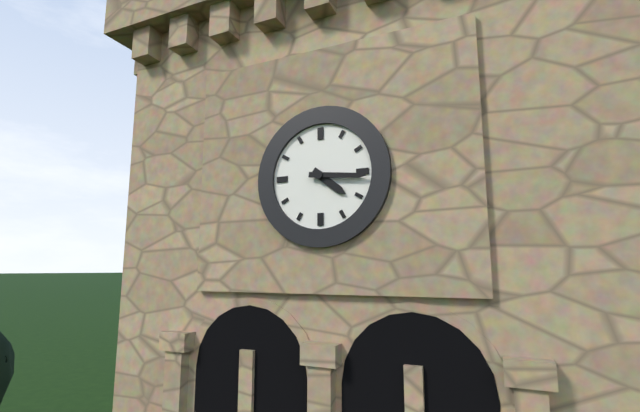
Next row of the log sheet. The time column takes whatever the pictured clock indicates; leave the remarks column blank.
4:16
